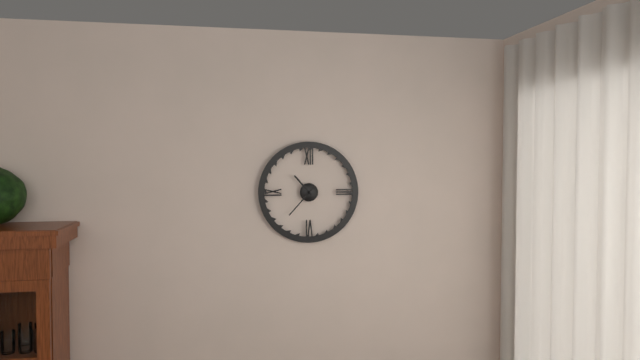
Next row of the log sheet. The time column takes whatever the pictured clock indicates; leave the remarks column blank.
10:37
